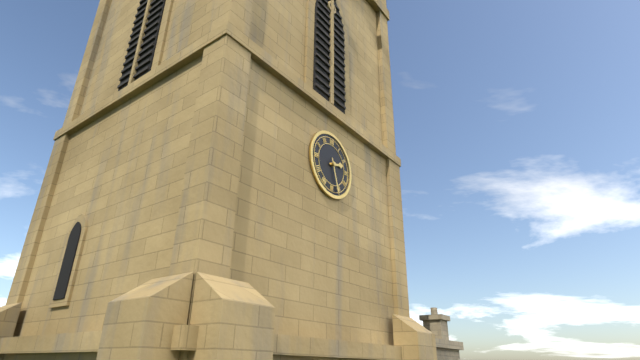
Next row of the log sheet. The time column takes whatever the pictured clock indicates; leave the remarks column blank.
2:27
